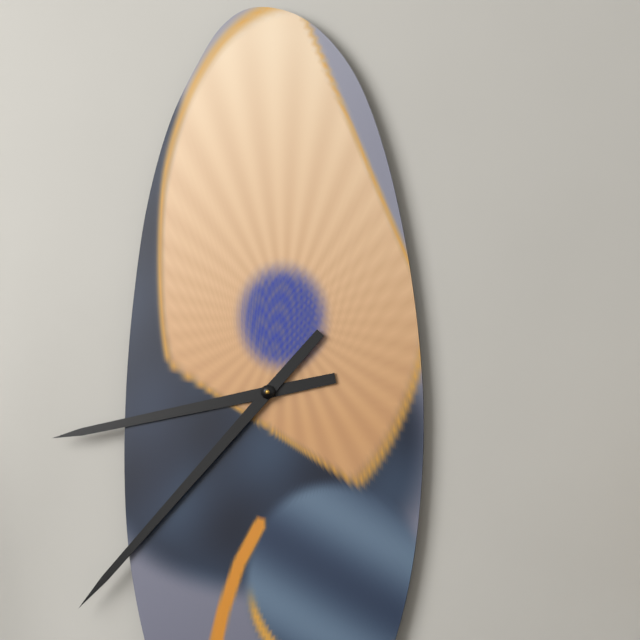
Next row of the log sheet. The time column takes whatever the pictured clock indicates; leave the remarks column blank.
8:37
